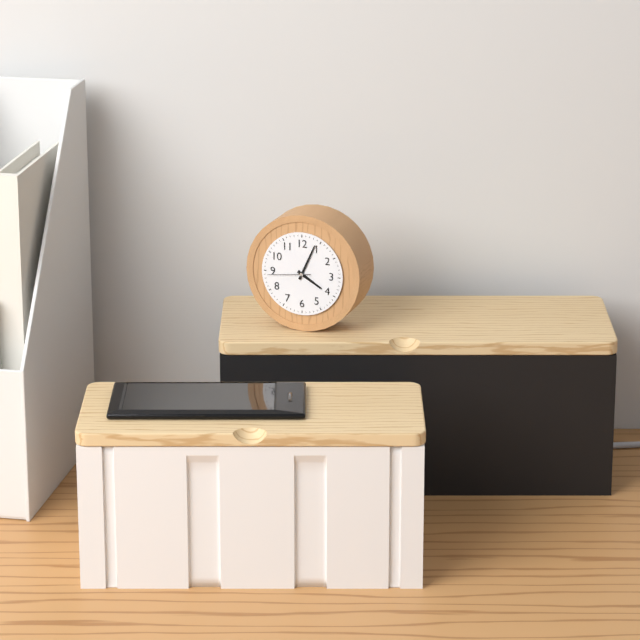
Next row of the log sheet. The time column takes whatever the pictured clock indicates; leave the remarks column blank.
4:04
